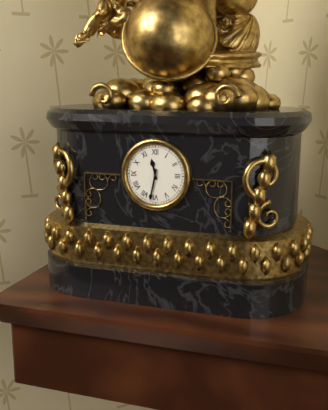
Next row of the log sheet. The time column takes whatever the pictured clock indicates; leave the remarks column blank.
11:32
